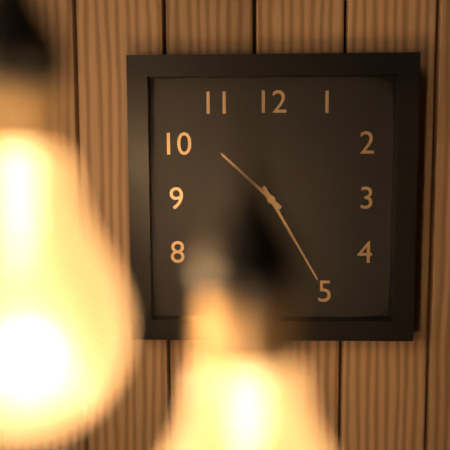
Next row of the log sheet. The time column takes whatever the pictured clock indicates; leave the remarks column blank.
10:25
